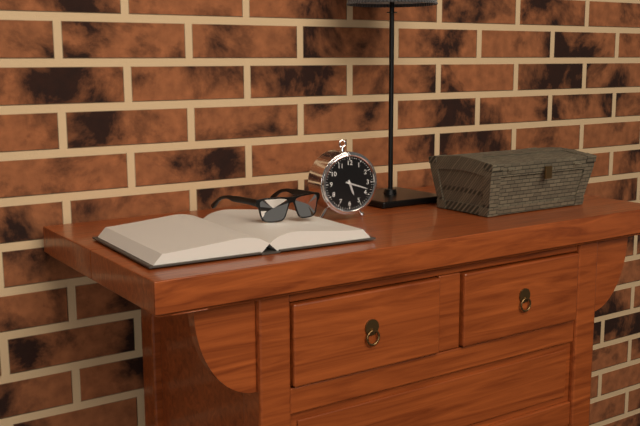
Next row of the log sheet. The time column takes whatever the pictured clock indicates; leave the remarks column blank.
5:18
